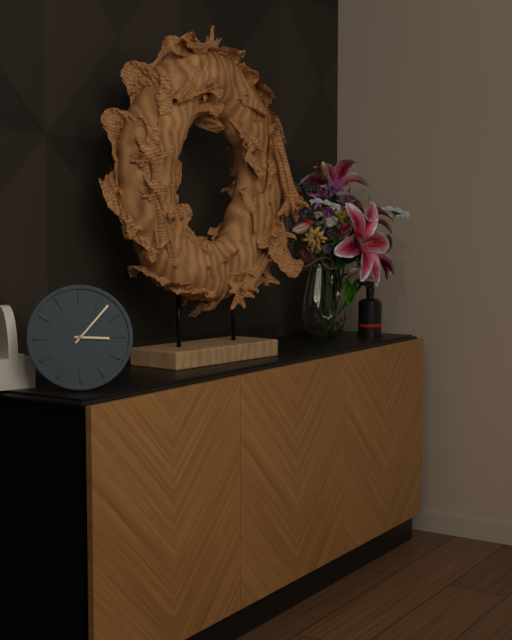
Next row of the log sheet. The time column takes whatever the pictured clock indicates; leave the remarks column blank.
3:07
